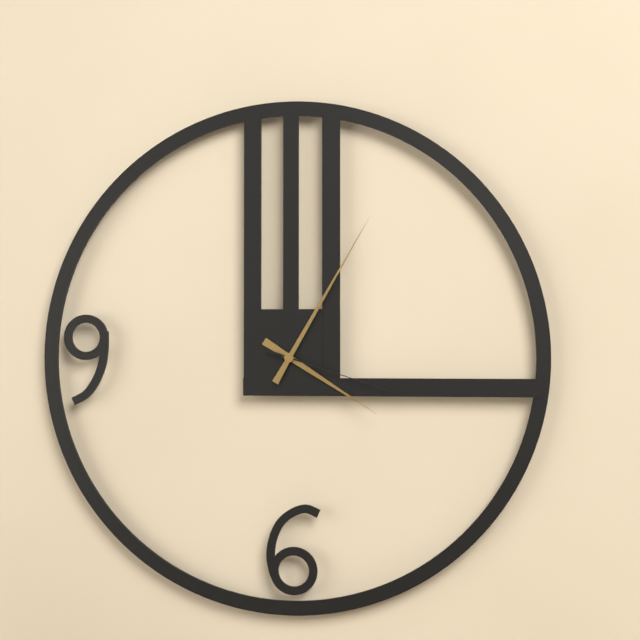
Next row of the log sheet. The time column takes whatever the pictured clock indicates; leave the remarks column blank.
4:05:18
